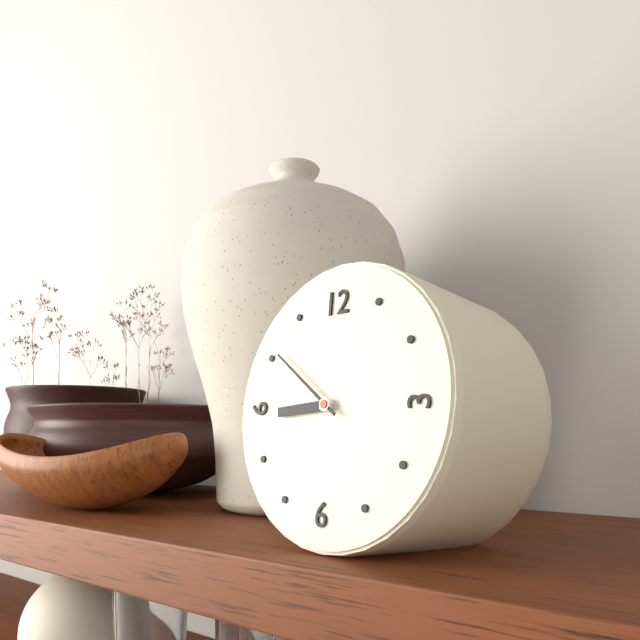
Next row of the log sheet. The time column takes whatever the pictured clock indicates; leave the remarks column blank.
8:51
